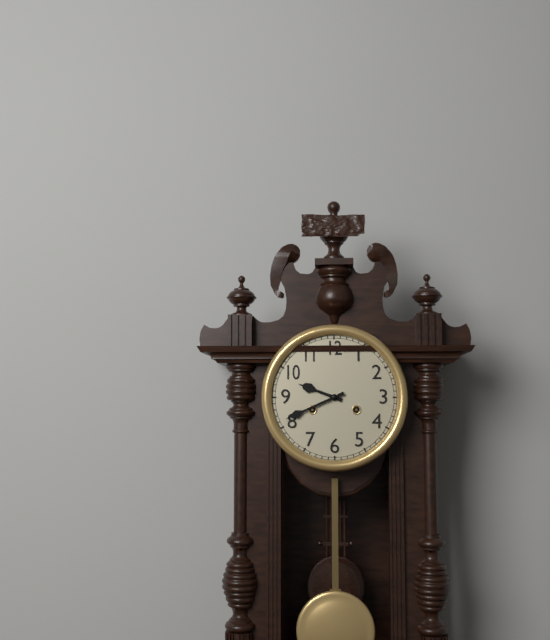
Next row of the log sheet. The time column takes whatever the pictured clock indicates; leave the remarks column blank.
9:41
